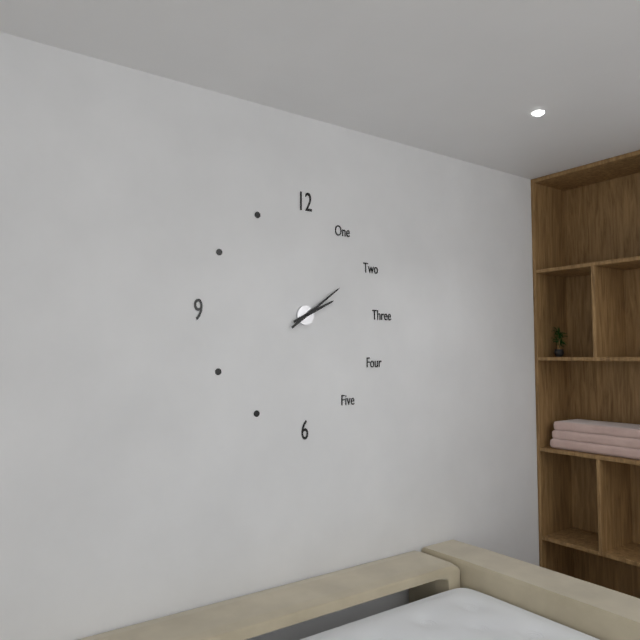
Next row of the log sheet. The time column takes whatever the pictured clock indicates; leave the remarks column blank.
2:09
